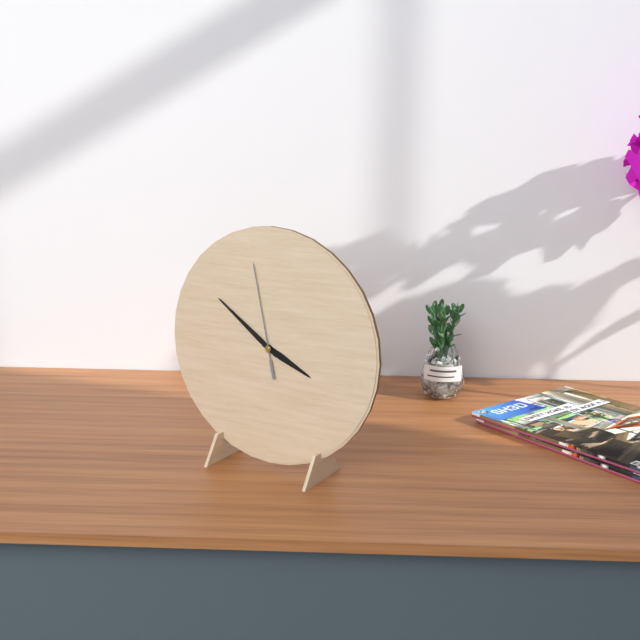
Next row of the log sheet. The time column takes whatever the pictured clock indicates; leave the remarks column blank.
3:51:58
